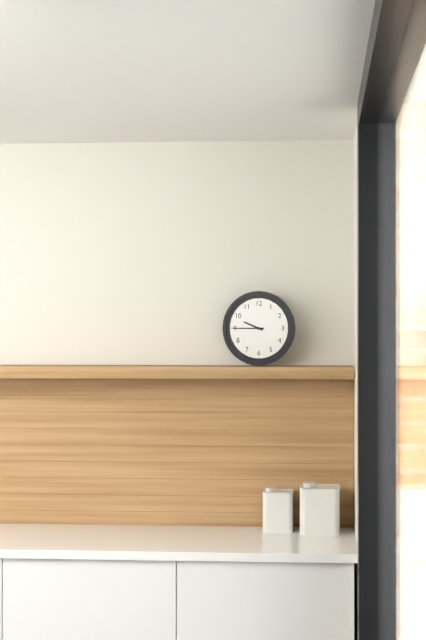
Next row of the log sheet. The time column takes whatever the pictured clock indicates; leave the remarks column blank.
9:45
